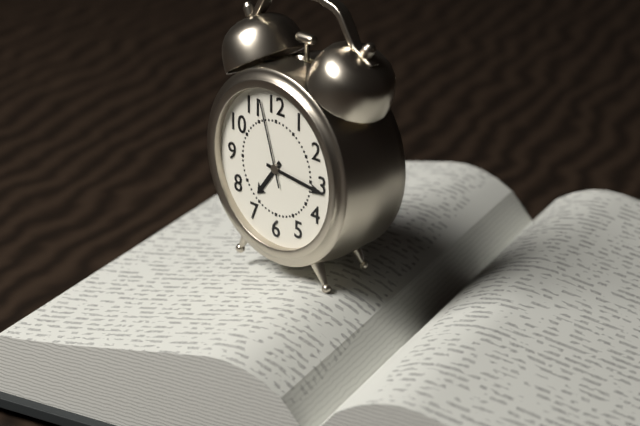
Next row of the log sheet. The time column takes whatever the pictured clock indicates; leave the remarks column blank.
7:16:57
